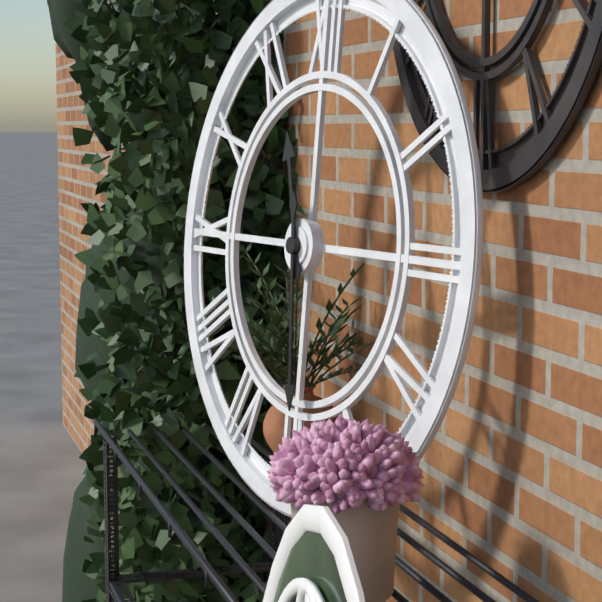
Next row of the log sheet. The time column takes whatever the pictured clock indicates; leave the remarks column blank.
11:29
